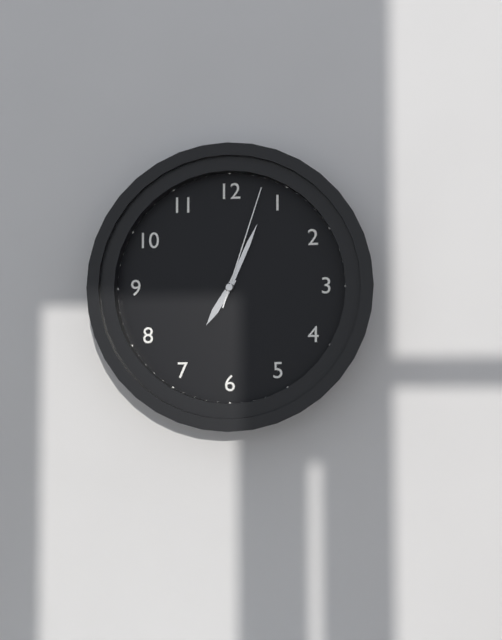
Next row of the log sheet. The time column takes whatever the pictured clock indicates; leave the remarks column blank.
7:04:03
